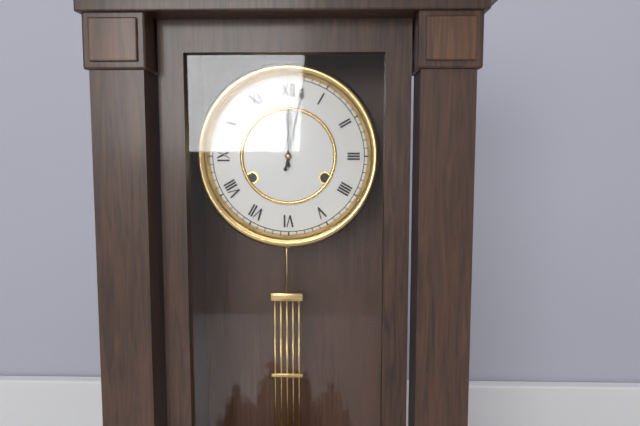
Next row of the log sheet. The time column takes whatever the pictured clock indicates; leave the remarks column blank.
12:02
